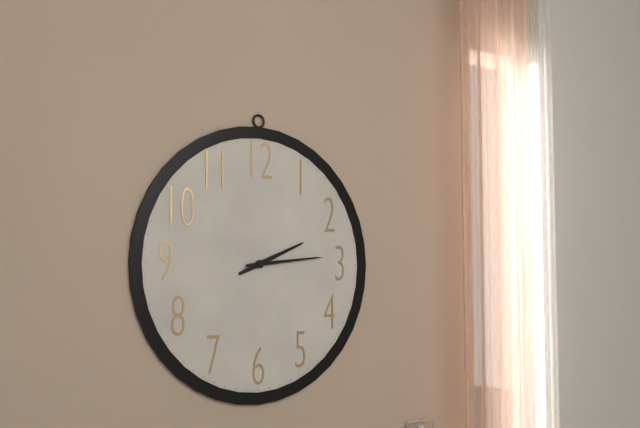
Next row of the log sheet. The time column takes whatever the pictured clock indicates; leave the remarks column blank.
2:14
